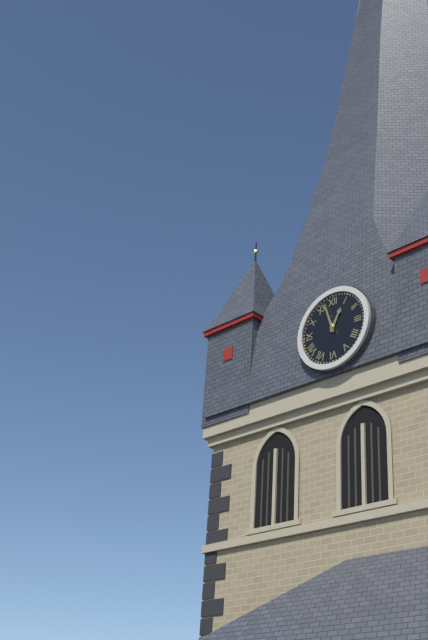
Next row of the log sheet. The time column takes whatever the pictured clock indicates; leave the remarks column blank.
12:57
